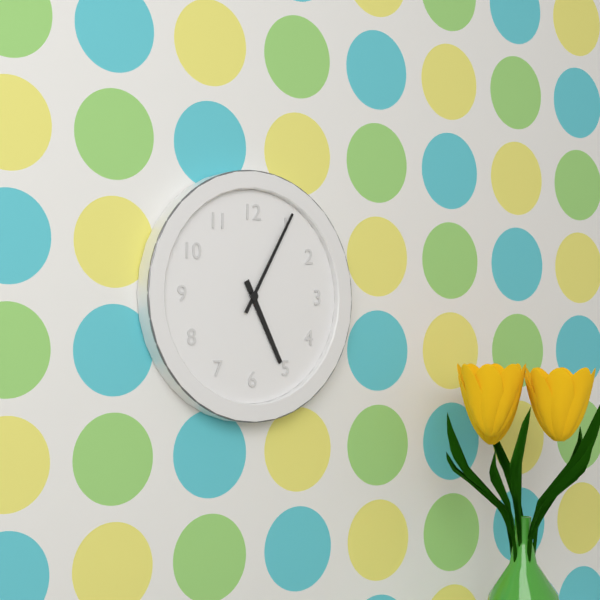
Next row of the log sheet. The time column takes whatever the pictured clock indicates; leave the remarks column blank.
5:05
